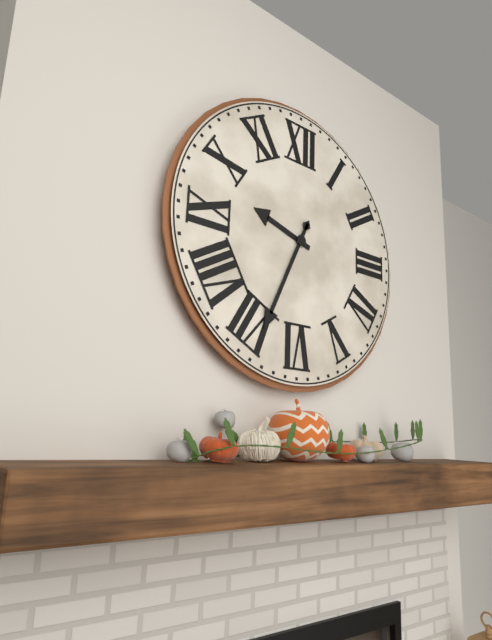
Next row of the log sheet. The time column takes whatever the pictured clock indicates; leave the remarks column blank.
9:34
